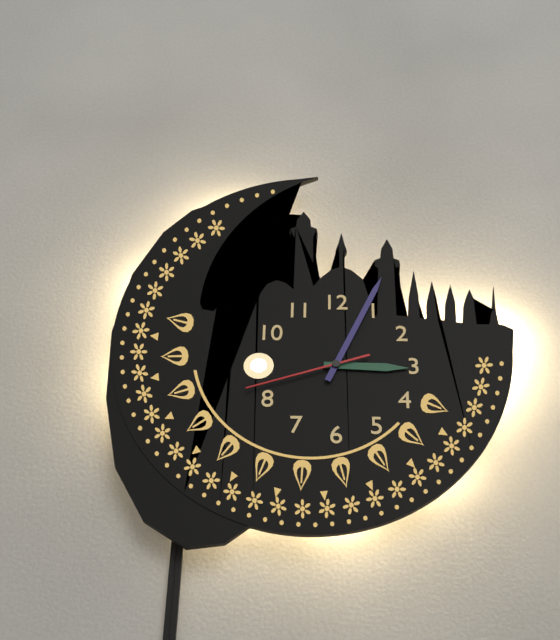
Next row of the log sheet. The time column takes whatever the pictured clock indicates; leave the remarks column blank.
3:04:42
